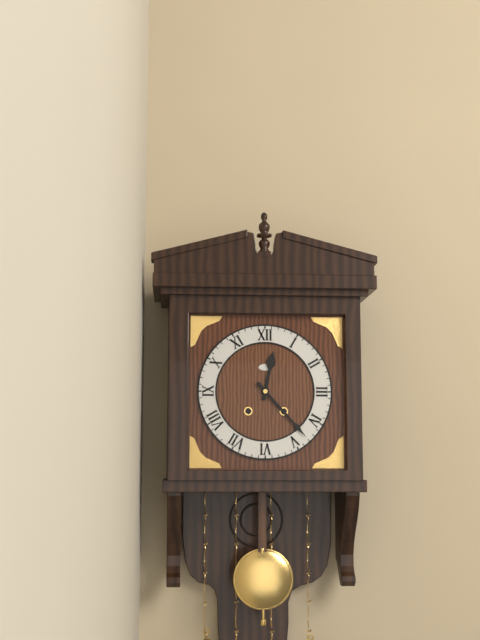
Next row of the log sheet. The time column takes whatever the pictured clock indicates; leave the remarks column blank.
12:23
